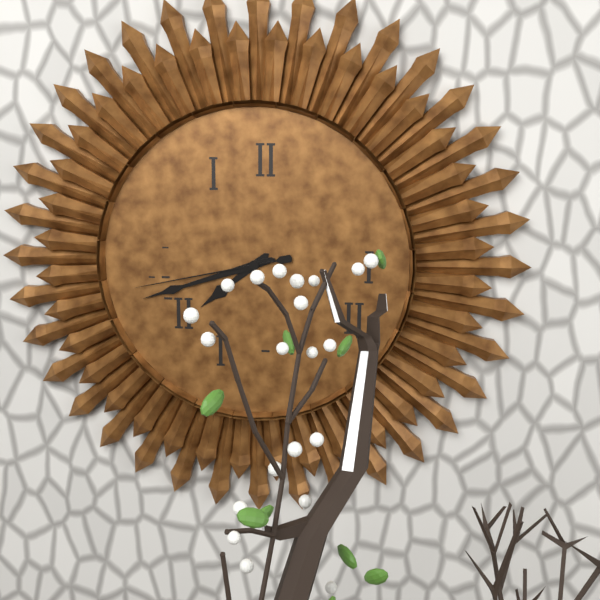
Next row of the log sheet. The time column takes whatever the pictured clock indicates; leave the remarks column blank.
7:42:43
